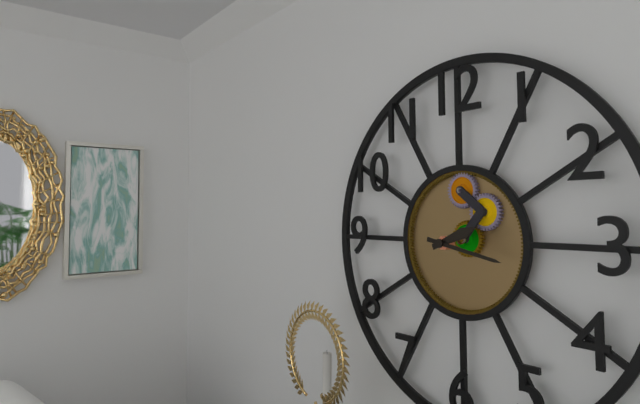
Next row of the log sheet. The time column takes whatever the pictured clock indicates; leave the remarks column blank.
2:17
